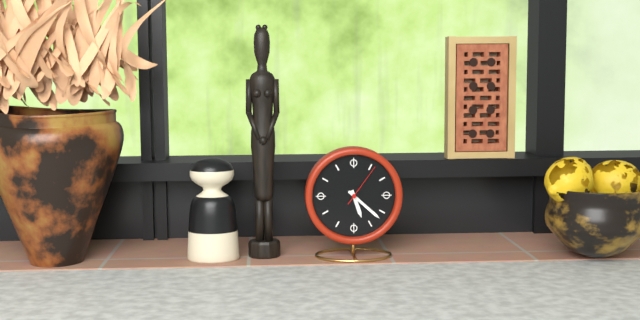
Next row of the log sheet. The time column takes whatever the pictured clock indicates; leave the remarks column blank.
5:22
